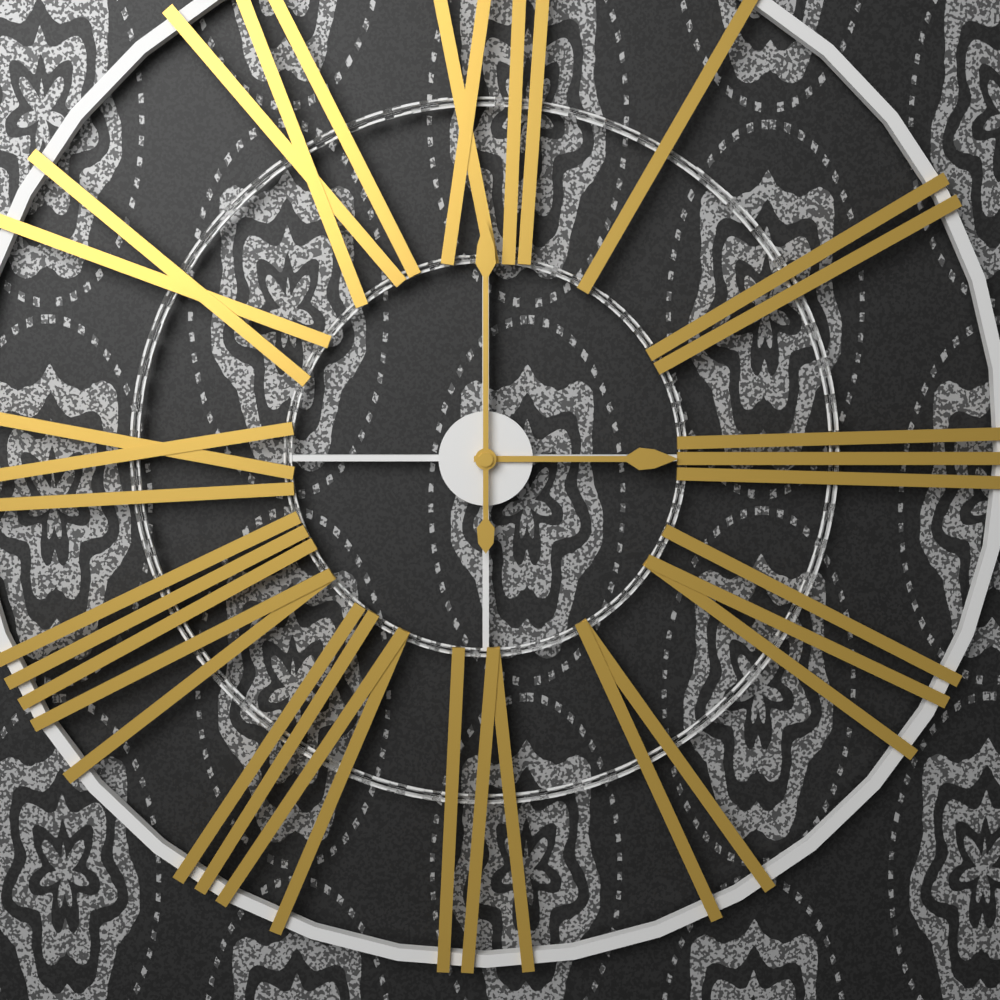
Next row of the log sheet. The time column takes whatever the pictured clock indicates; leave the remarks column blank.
3:00
